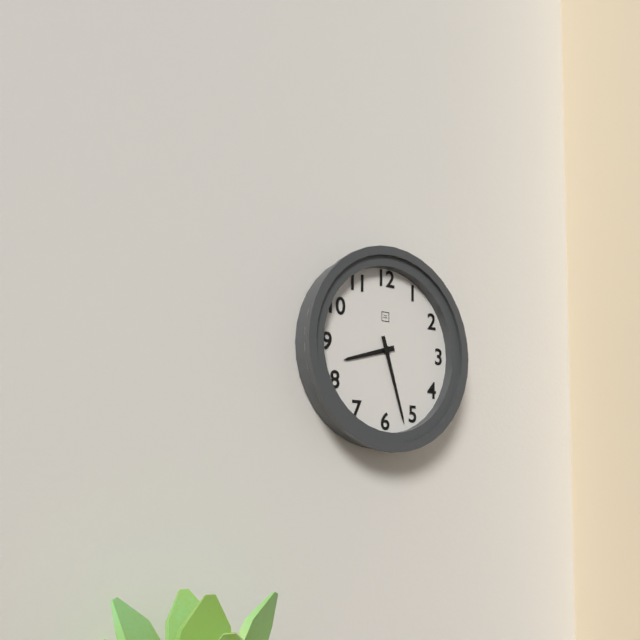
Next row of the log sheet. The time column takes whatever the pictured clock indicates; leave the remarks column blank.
8:27
